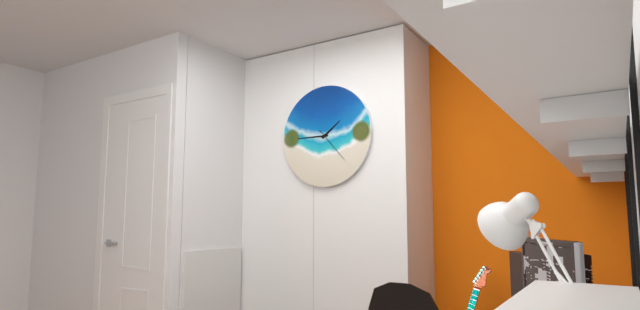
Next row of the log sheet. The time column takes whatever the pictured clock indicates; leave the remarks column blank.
1:45
